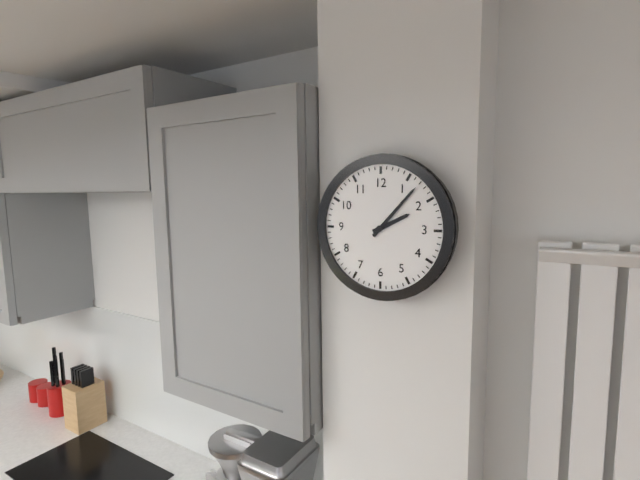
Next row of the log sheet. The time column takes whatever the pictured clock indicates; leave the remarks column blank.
2:07
